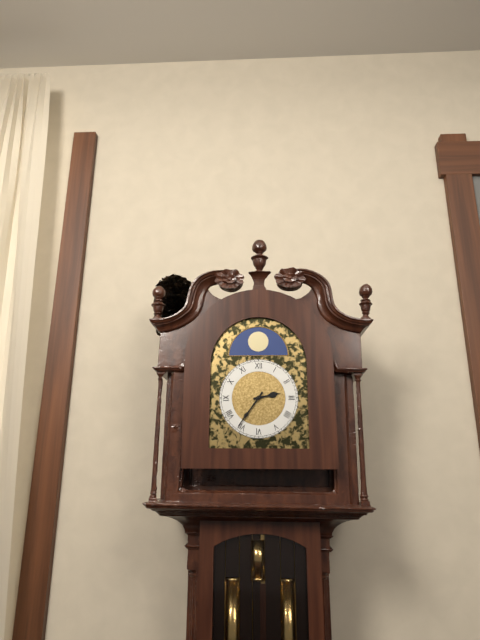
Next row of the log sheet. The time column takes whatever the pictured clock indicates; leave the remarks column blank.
2:36
